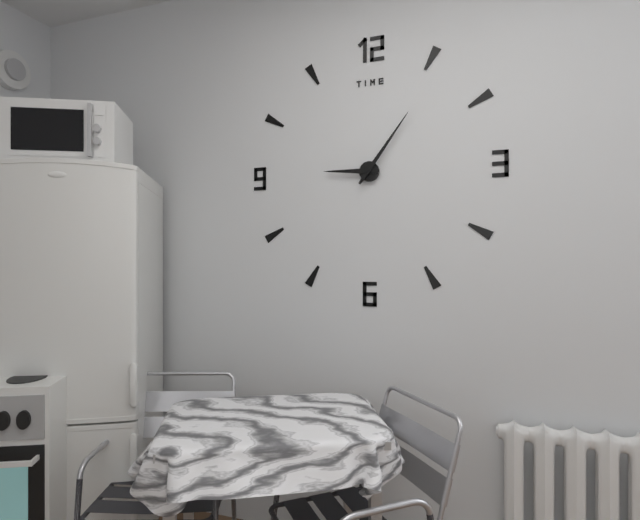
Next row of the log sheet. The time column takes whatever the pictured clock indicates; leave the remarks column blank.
9:06
